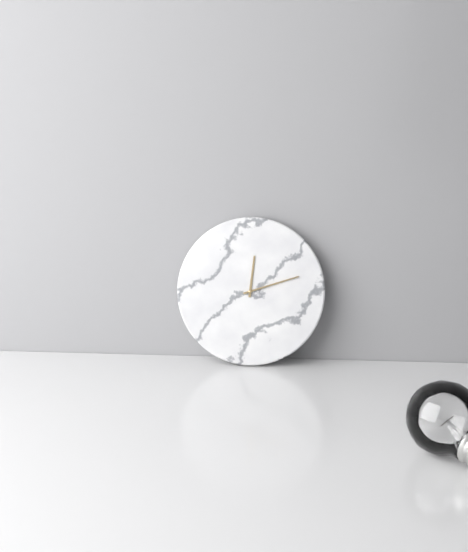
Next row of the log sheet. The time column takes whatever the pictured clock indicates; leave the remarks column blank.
12:12
